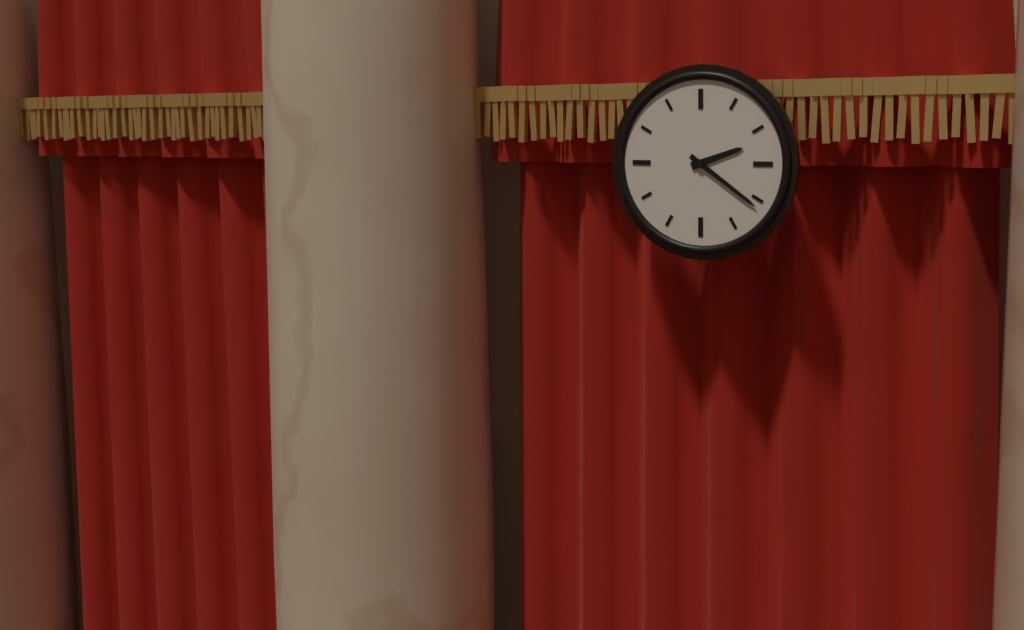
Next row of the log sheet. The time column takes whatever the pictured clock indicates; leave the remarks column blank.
2:21
